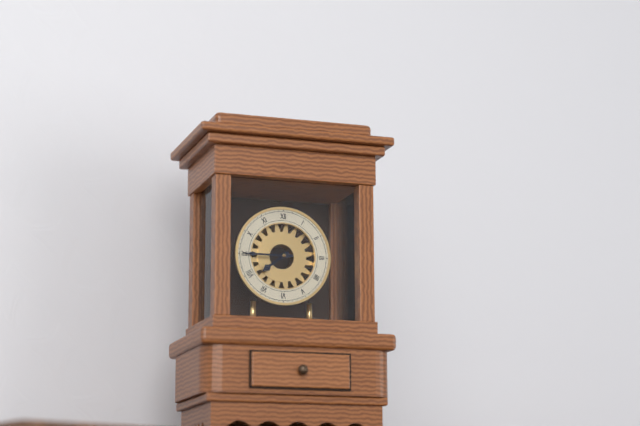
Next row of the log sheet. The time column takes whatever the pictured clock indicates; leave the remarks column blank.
7:45
